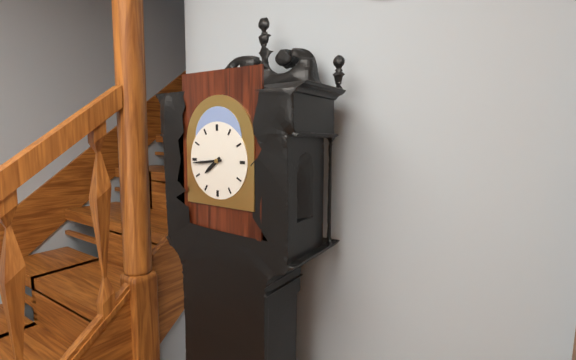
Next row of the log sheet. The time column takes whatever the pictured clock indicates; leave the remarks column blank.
7:44
